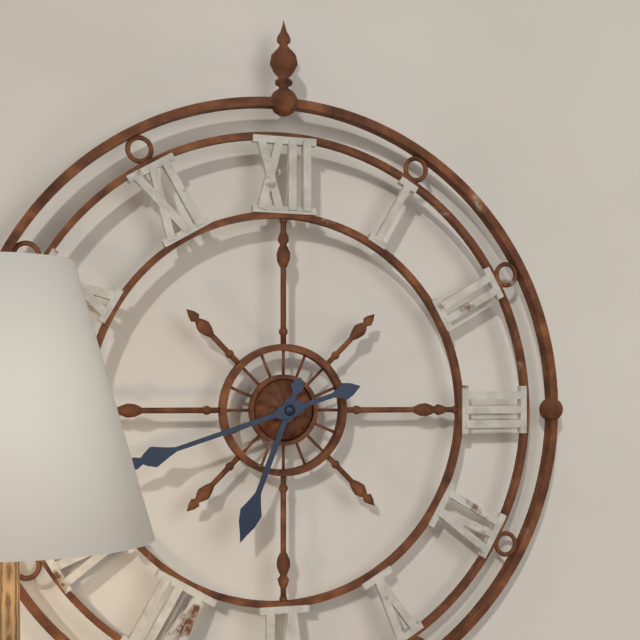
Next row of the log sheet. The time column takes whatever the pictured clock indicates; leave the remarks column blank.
6:42
